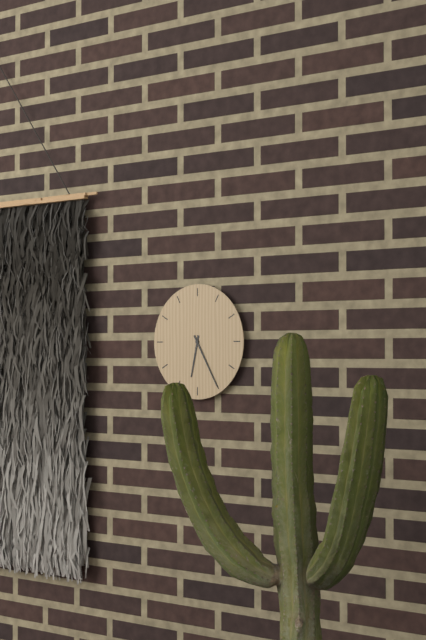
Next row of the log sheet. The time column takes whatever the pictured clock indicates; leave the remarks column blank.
6:25
